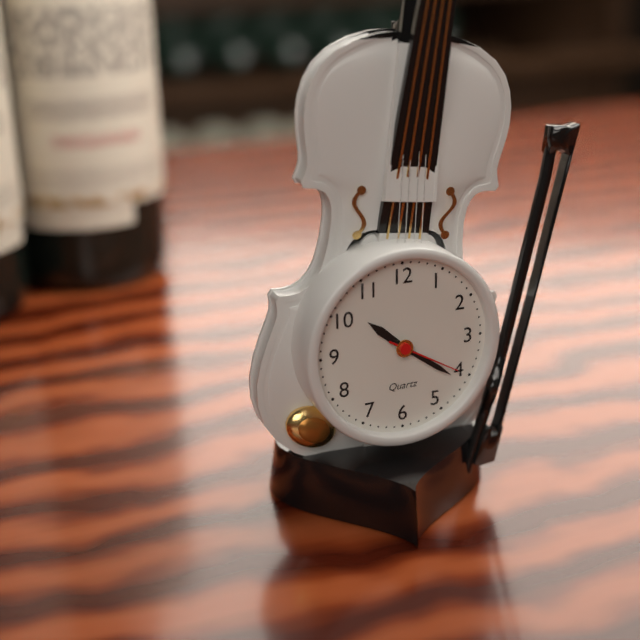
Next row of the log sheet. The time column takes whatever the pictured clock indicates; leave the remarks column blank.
10:21:20
